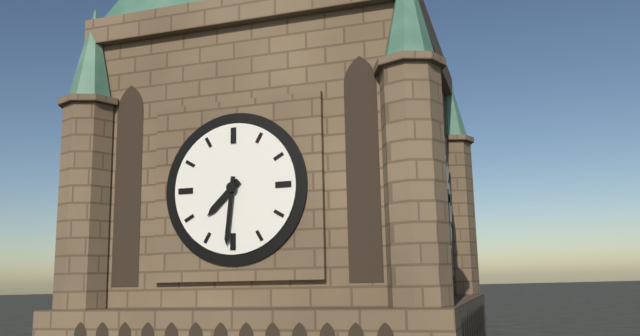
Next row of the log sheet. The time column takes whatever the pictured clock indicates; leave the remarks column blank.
7:31
